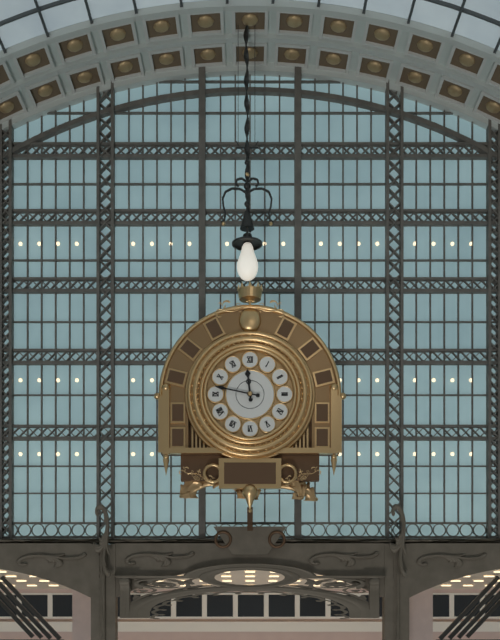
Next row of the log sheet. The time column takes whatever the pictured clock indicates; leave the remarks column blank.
11:47
